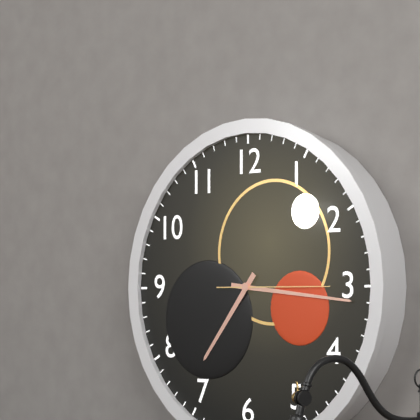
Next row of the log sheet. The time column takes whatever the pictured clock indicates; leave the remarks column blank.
7:16:15
